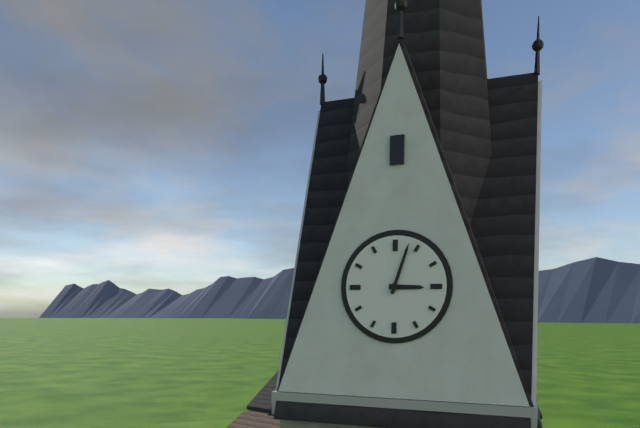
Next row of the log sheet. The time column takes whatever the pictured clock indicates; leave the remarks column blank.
3:03
